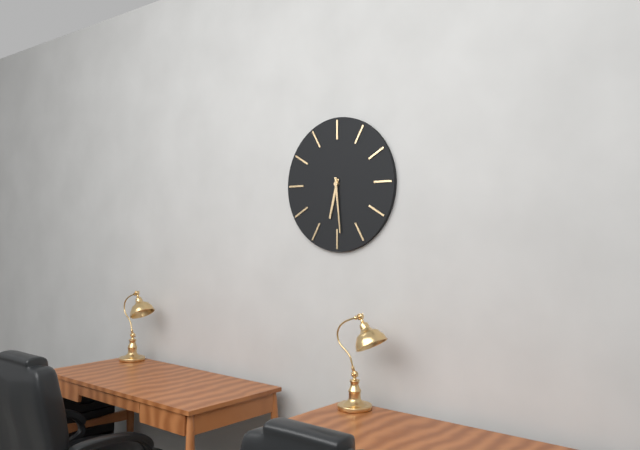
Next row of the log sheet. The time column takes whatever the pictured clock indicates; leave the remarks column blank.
6:29
